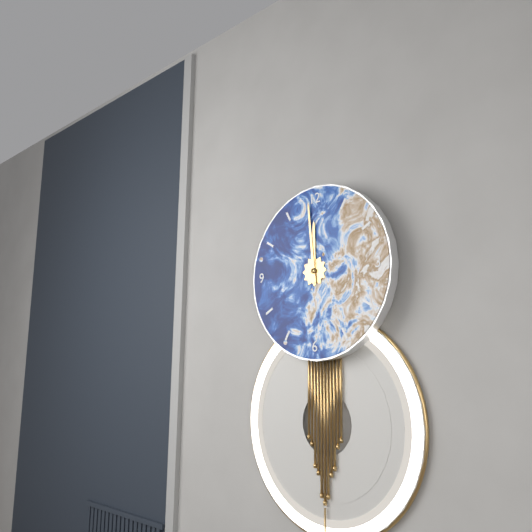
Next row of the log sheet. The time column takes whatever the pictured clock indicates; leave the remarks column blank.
11:59
